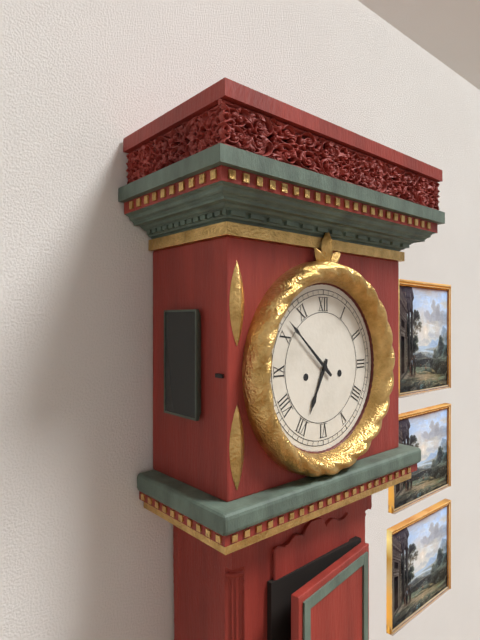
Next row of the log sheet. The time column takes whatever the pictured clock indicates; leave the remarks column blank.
6:52
